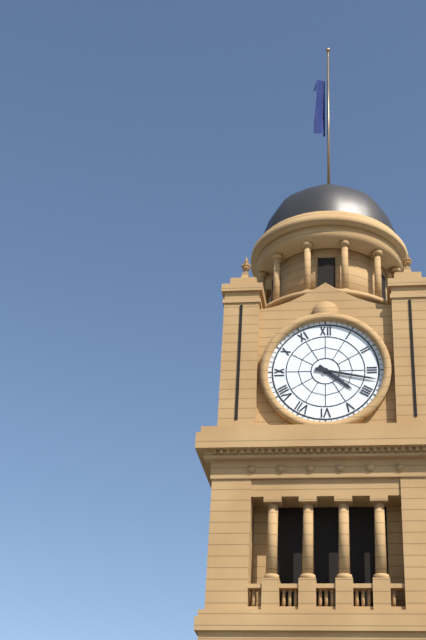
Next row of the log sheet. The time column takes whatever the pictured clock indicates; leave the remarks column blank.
4:17
